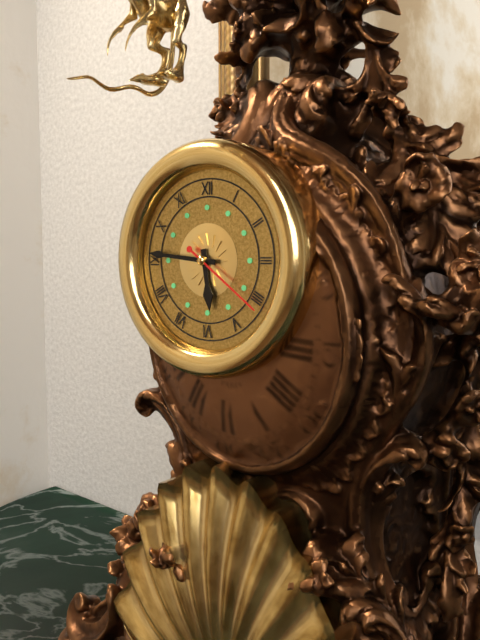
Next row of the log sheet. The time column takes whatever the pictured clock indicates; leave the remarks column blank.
5:46:21
